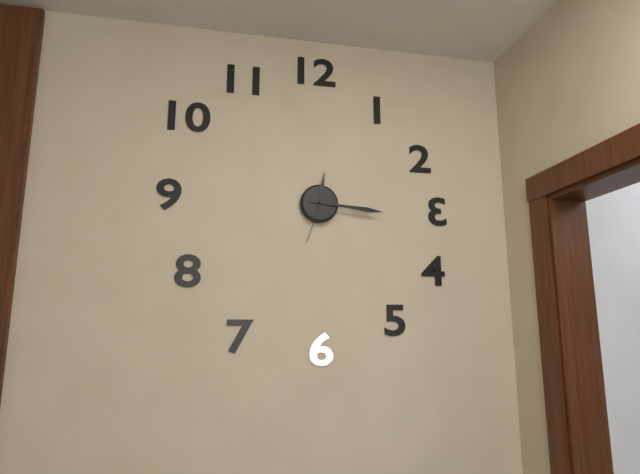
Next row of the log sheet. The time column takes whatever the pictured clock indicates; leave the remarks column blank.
12:16
